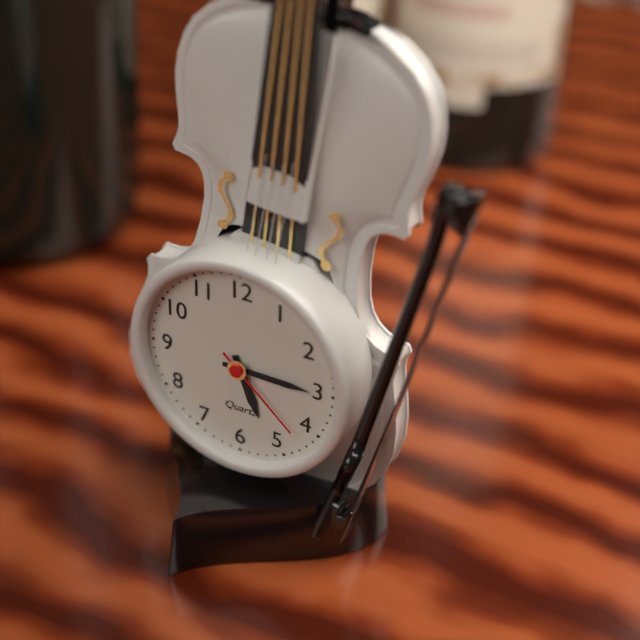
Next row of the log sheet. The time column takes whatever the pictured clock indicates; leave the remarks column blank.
5:15:22
